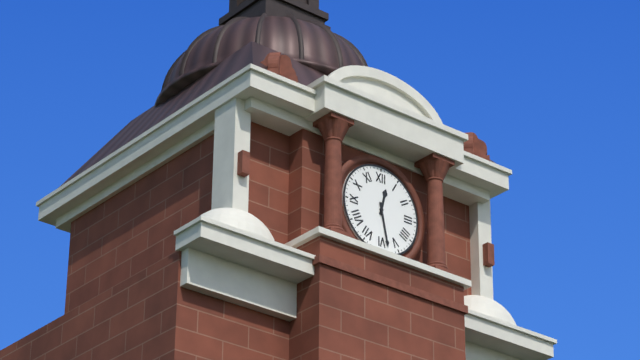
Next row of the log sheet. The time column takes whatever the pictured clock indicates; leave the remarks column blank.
12:28
